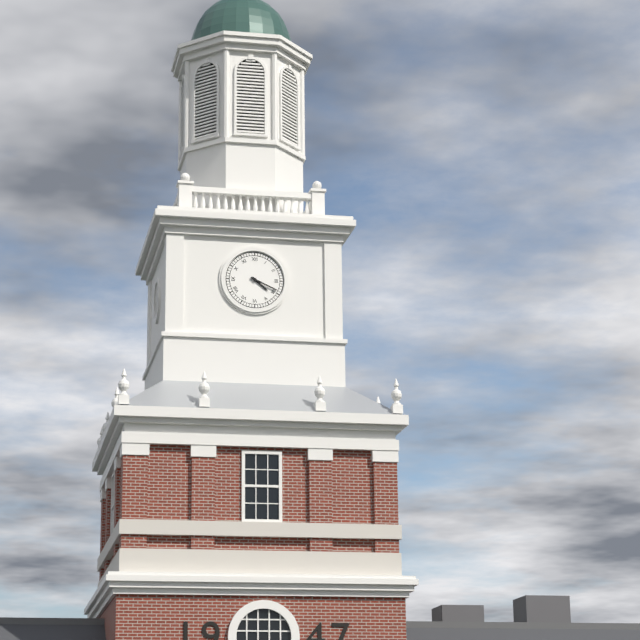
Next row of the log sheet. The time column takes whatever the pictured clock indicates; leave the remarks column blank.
4:19
